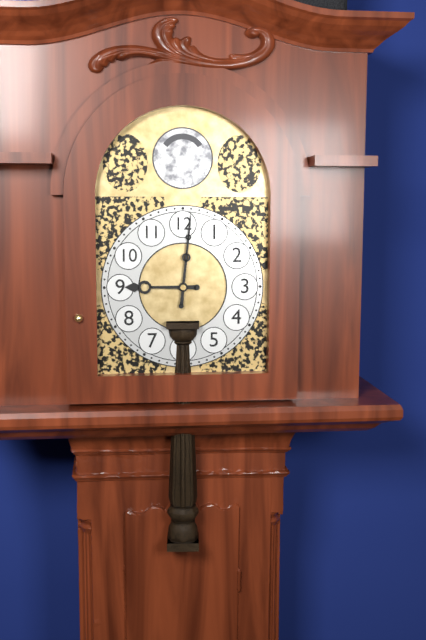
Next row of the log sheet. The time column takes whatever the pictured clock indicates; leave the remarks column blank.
9:01
